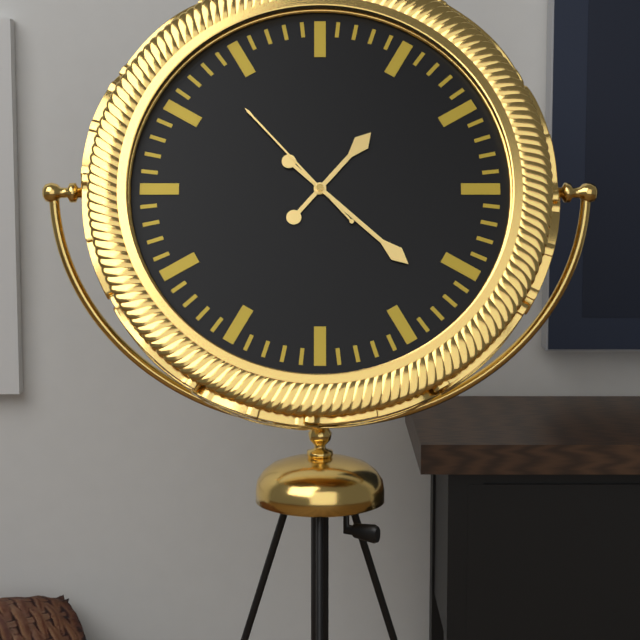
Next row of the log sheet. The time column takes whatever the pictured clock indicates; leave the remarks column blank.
1:22:53
